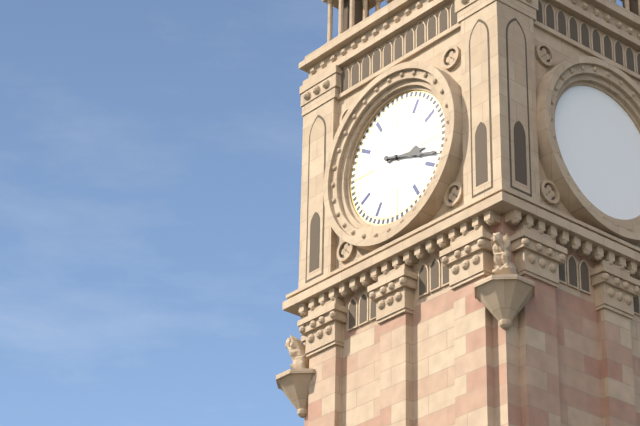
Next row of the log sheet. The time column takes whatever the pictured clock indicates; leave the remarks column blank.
3:18
